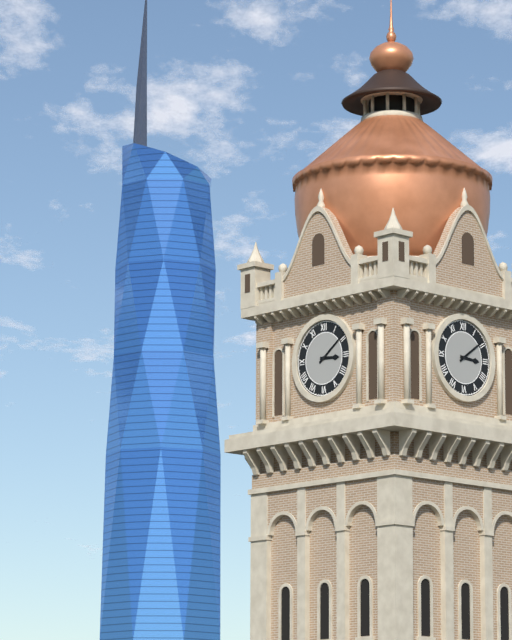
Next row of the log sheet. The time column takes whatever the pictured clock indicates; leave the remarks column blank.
3:09
